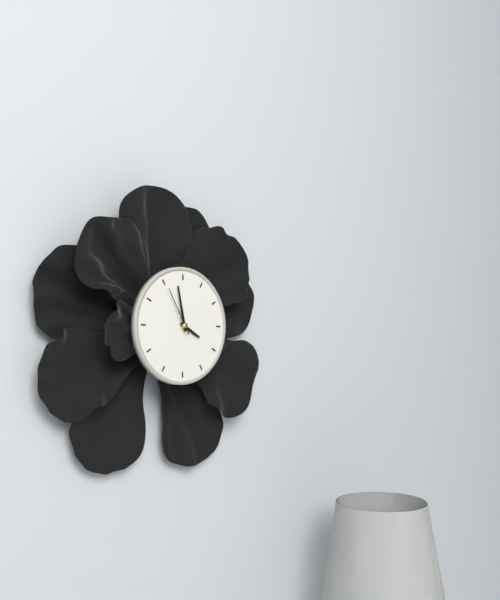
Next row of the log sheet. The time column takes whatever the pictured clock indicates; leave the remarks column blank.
3:58
